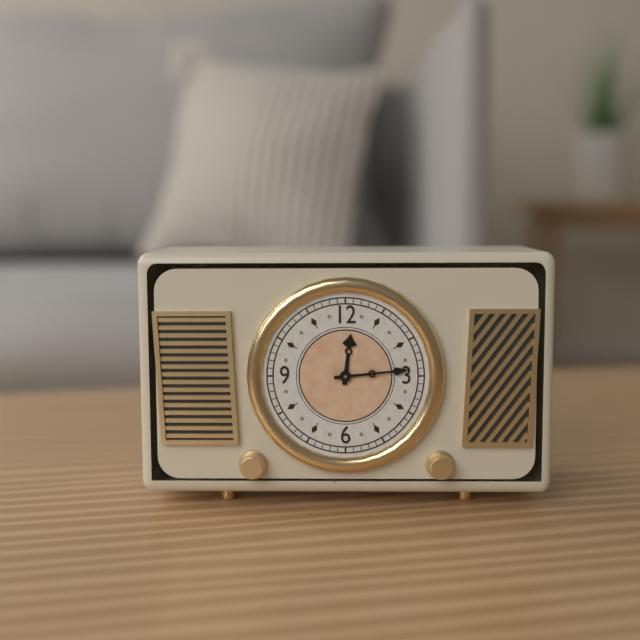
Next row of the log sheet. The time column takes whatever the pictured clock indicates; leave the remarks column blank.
12:14
